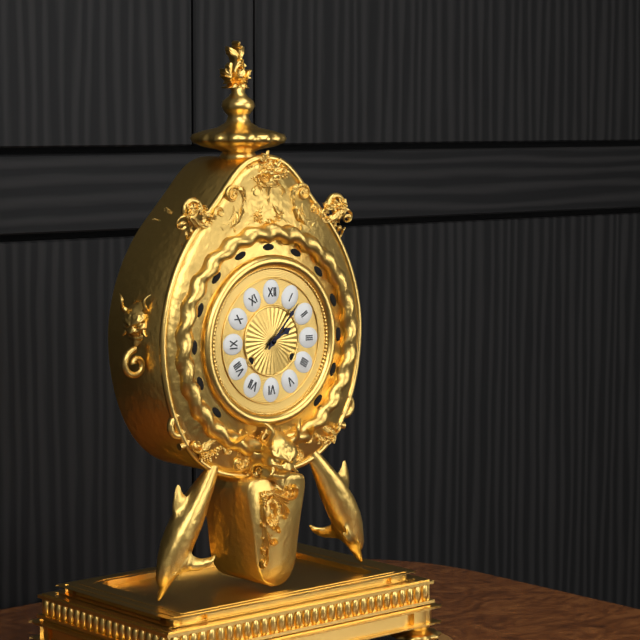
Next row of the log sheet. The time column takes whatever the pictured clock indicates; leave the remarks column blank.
2:07
